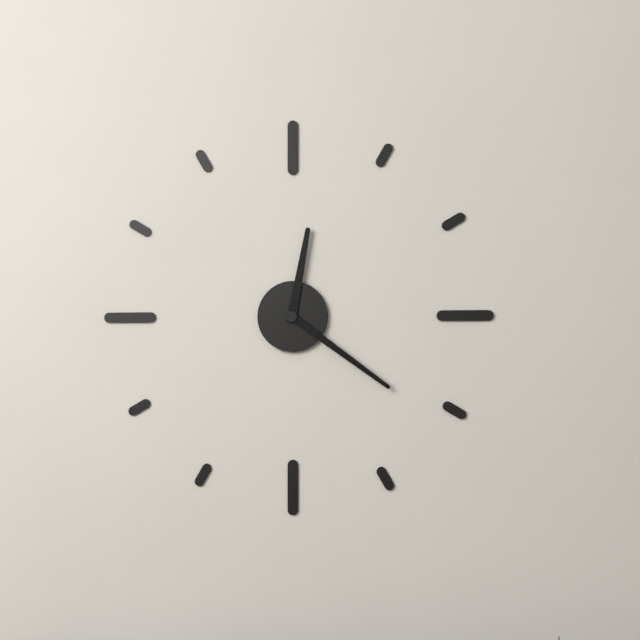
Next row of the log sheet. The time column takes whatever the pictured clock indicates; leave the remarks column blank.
12:21
